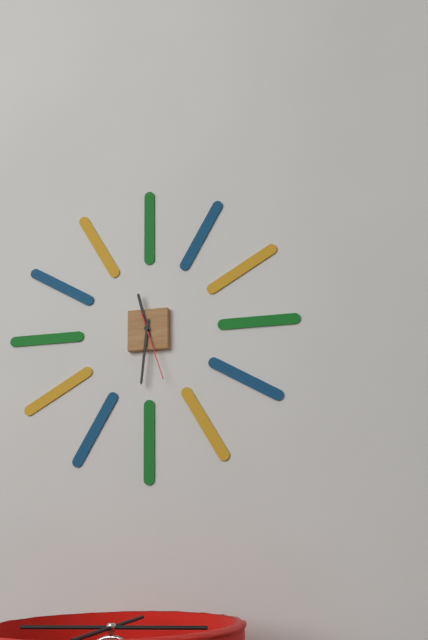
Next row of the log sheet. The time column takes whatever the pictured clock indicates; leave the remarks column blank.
11:31:27
